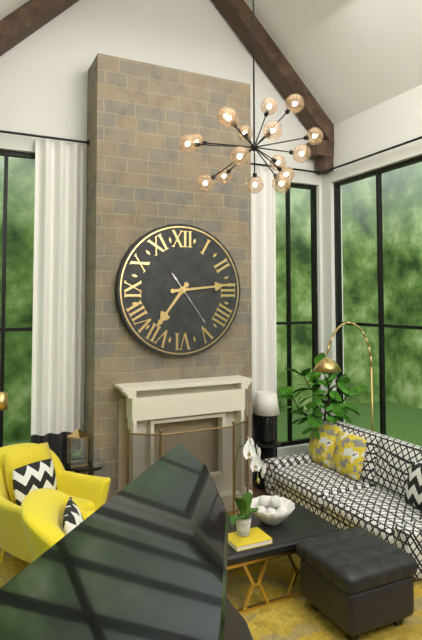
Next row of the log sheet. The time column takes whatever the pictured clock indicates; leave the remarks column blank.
7:14:24
